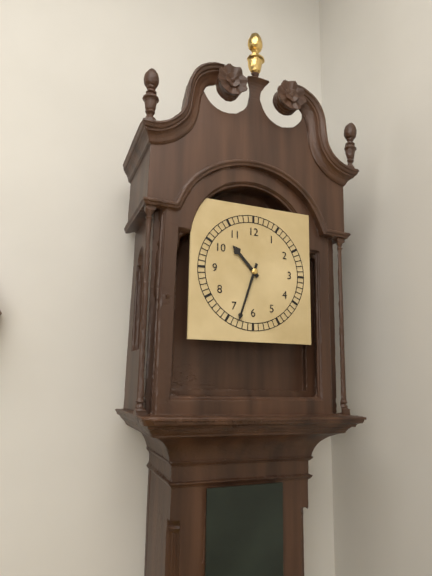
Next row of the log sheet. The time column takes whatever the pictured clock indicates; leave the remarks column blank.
10:33
